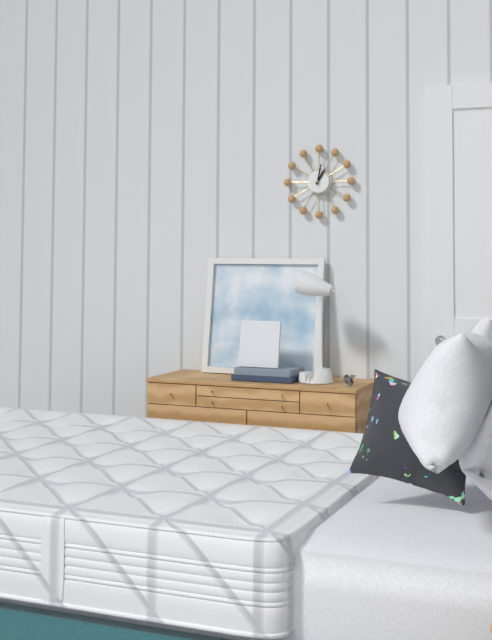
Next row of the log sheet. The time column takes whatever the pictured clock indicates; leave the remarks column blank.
1:02
